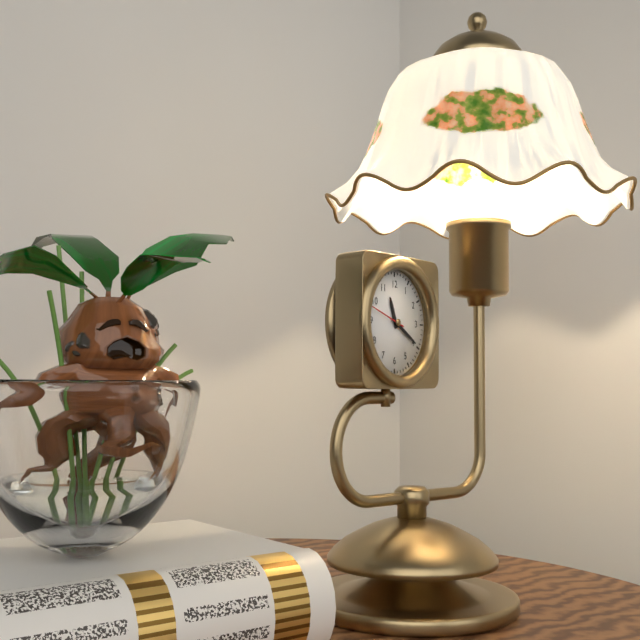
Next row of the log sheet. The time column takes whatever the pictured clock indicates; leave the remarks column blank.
11:20
